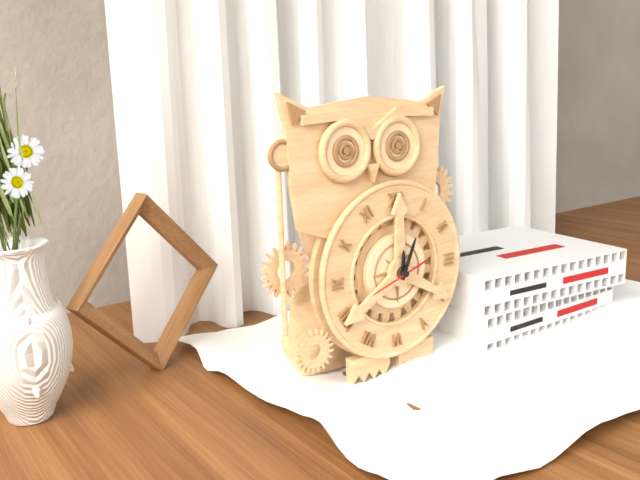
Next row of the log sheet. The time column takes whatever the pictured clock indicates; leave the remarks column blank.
12:04
